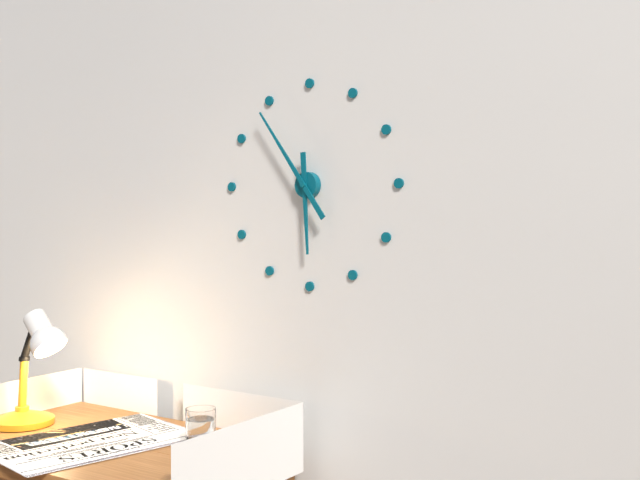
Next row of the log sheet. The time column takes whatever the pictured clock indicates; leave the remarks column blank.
5:54
